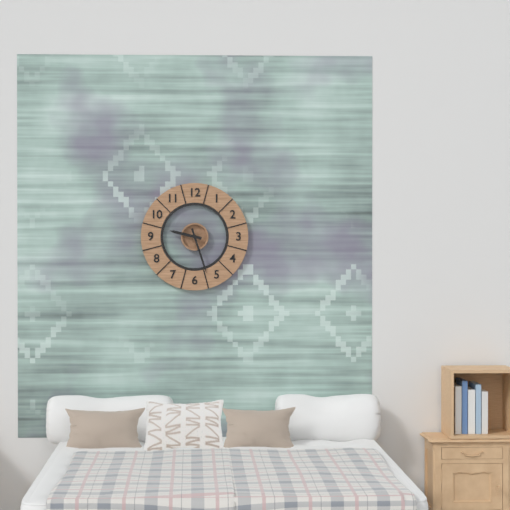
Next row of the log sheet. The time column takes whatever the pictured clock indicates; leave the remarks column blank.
9:27
